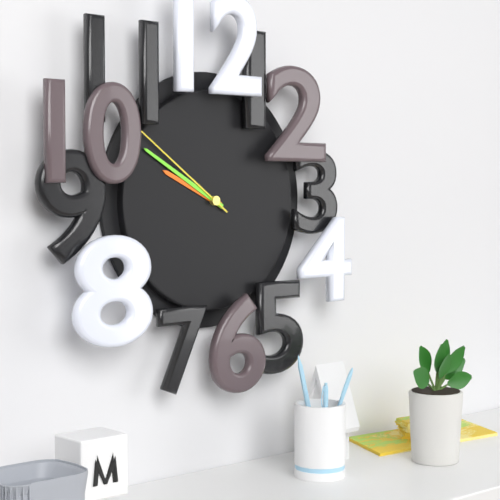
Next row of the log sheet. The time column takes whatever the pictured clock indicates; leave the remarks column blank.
9:50:51
